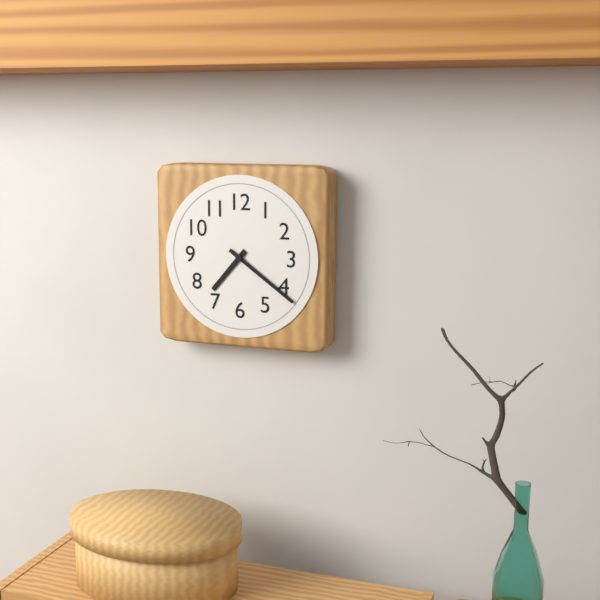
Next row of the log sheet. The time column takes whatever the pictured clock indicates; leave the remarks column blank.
7:21
